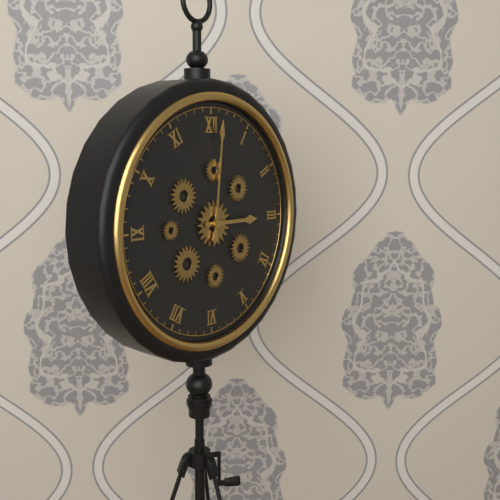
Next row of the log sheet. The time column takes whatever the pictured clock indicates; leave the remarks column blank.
3:01
